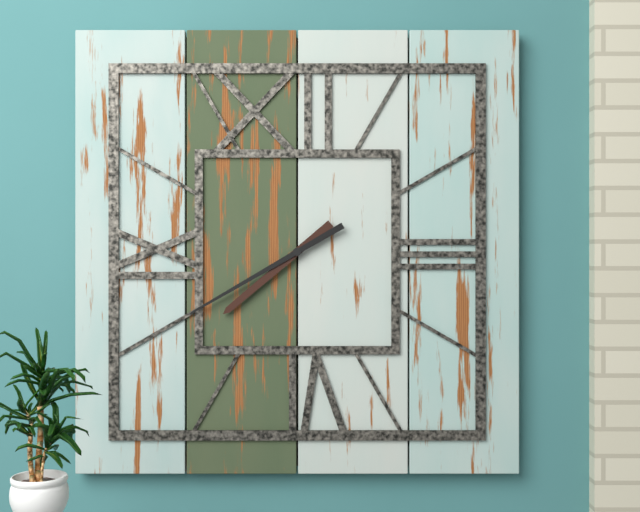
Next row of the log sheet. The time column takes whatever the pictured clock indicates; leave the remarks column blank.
7:40
